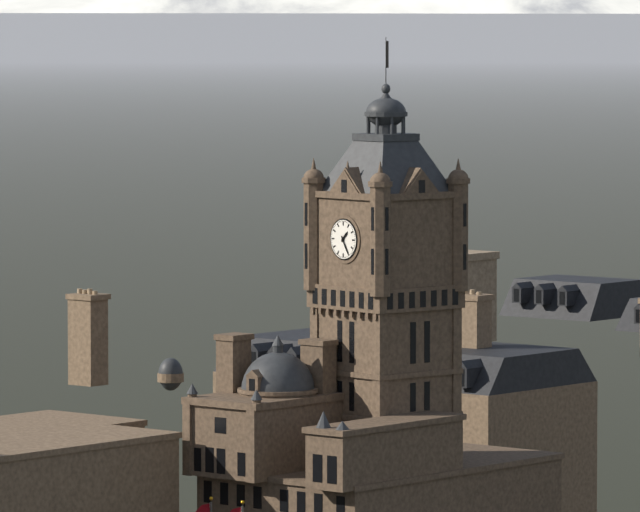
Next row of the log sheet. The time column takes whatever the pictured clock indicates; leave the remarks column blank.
1:25
